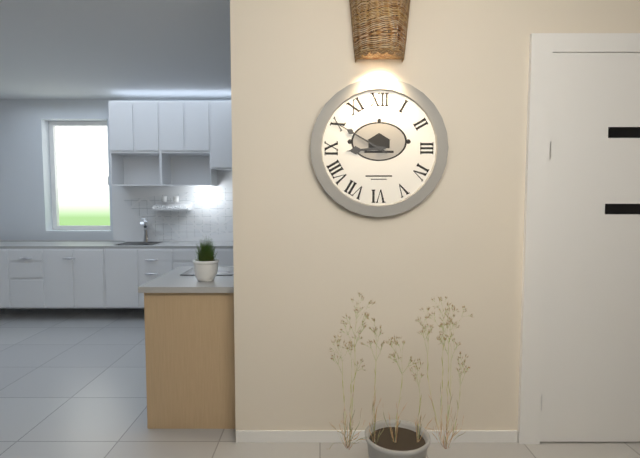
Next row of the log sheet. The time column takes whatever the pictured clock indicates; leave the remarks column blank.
8:50
